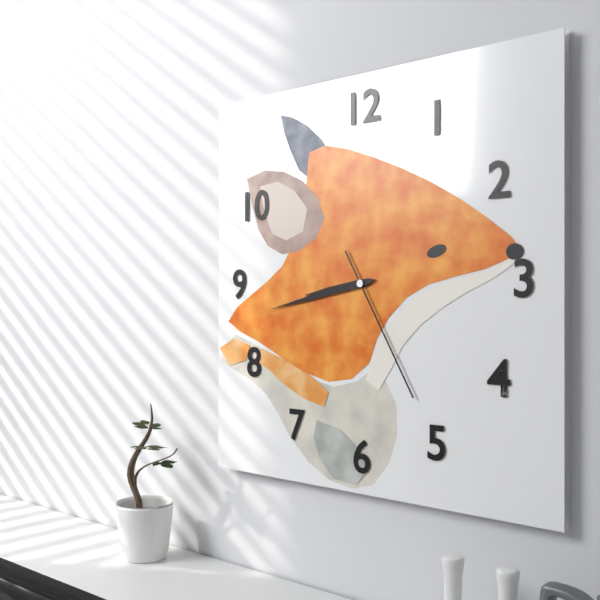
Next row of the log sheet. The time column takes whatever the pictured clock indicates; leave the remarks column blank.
8:43:25
